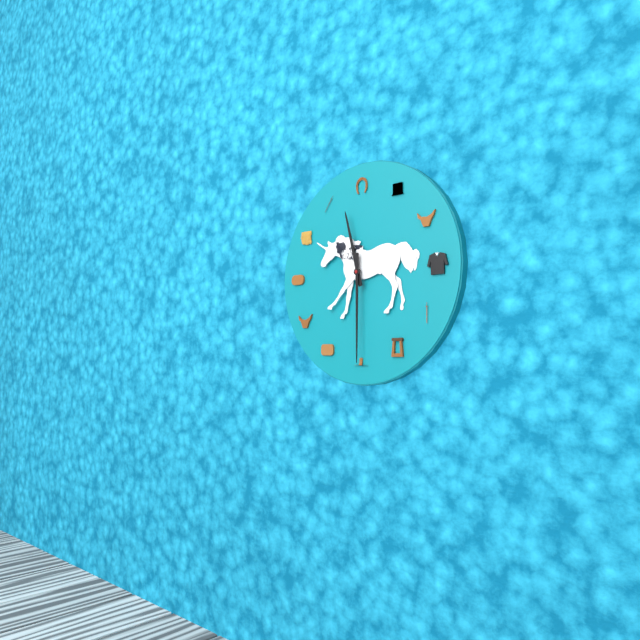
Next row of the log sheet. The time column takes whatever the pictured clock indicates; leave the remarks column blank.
11:30
